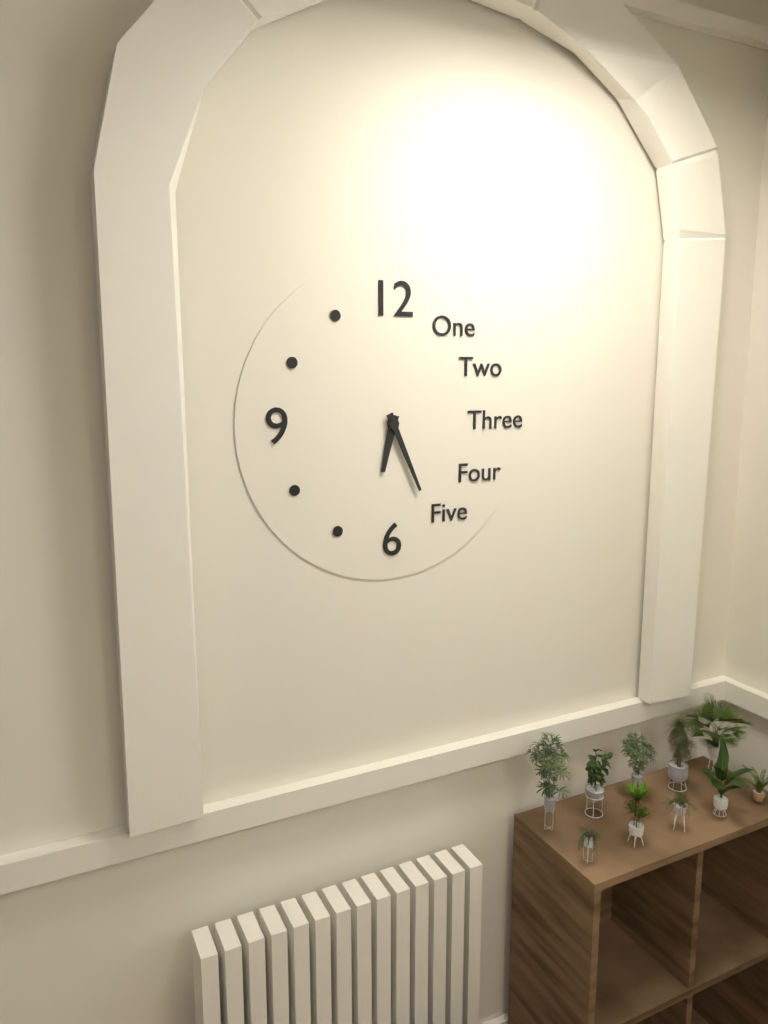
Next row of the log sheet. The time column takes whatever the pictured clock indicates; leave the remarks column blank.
6:26
